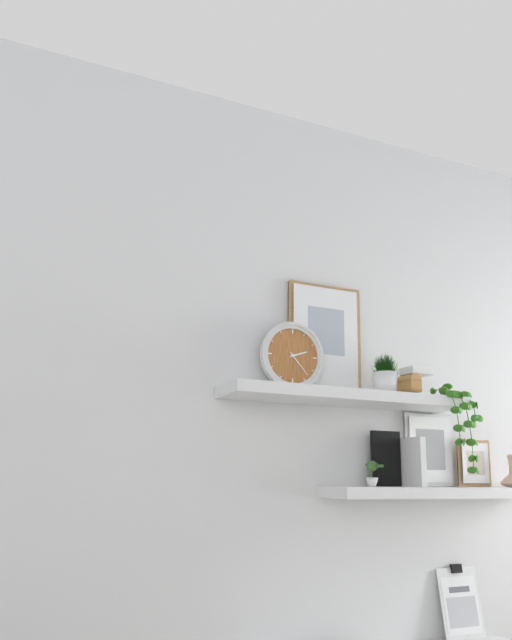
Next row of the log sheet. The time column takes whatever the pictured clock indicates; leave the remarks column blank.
2:23
